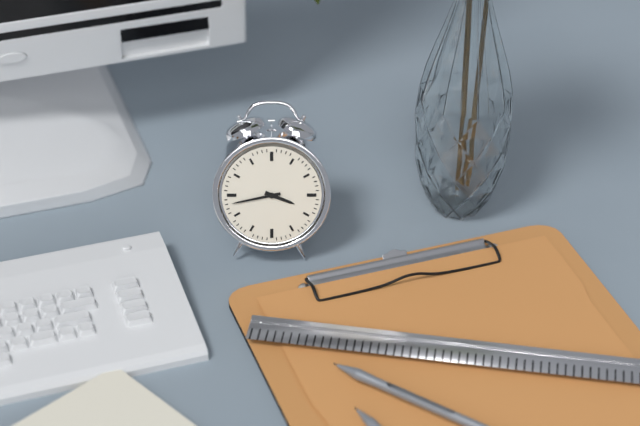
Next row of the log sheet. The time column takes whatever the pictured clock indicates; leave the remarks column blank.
3:43
